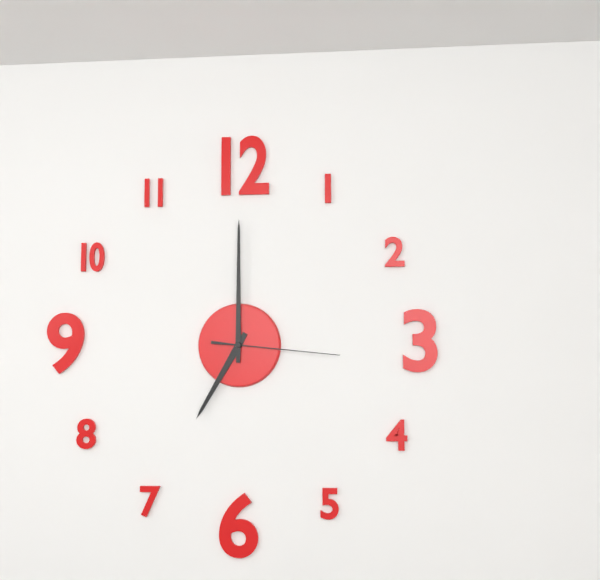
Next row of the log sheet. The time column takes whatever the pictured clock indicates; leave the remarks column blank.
7:00:16
